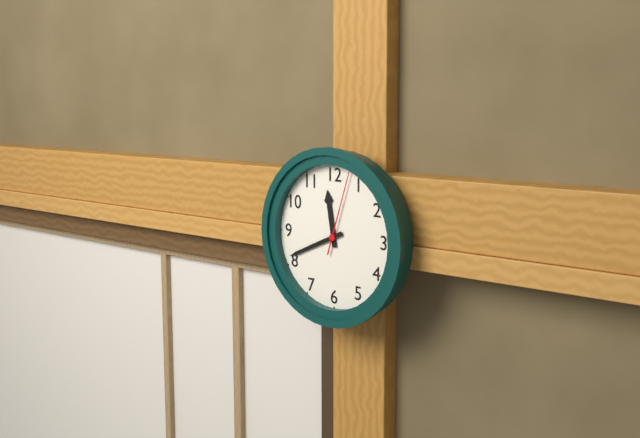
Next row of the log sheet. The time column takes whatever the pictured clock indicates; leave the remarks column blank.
11:41:03
